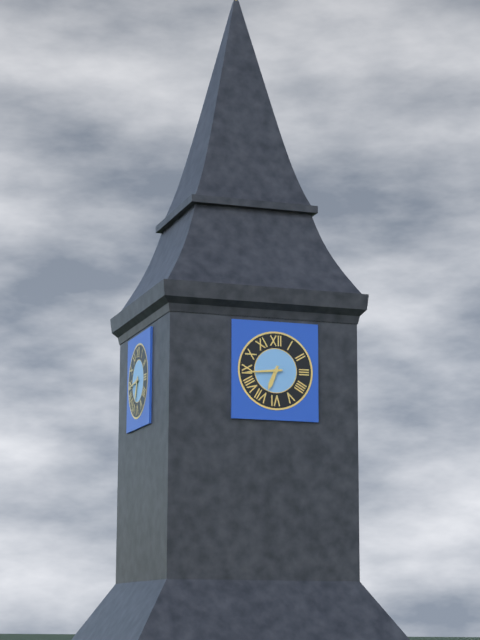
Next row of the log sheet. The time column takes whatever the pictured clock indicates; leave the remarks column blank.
6:44
